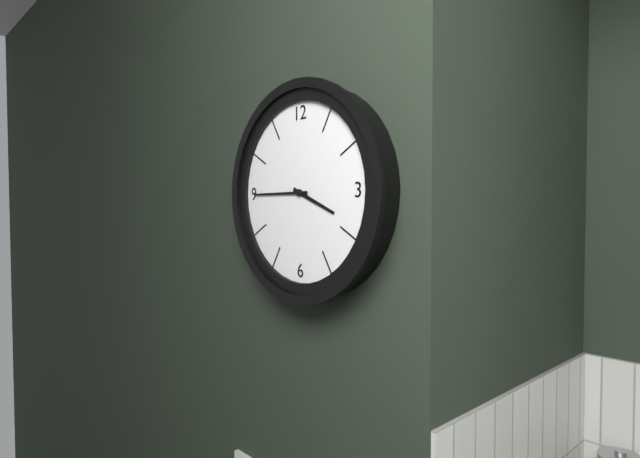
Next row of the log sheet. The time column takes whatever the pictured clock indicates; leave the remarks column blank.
3:45
